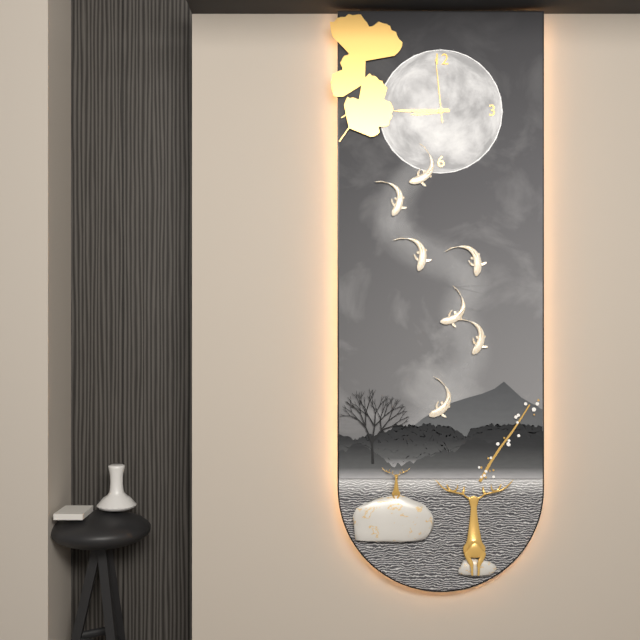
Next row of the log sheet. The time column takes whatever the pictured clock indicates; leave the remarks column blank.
8:45:59
